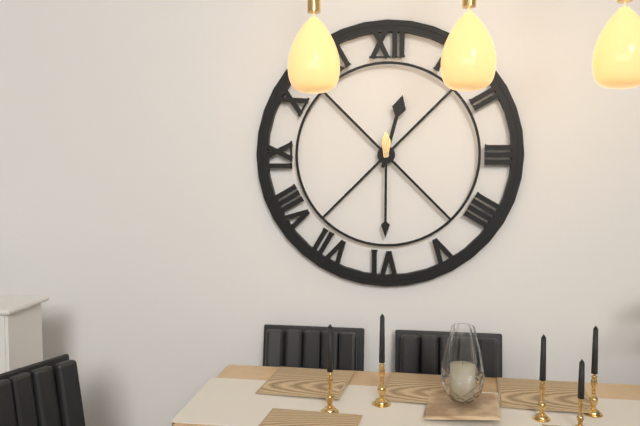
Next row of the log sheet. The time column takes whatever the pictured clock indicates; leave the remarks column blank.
12:30
